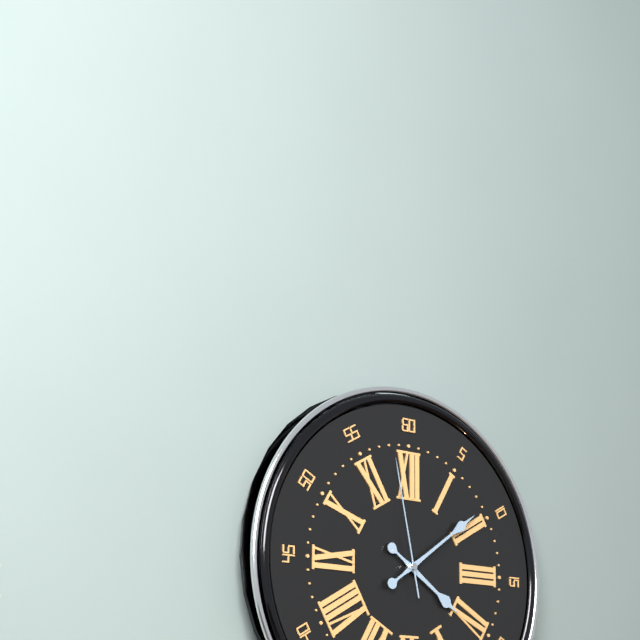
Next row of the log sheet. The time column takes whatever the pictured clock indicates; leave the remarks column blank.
4:09:58
